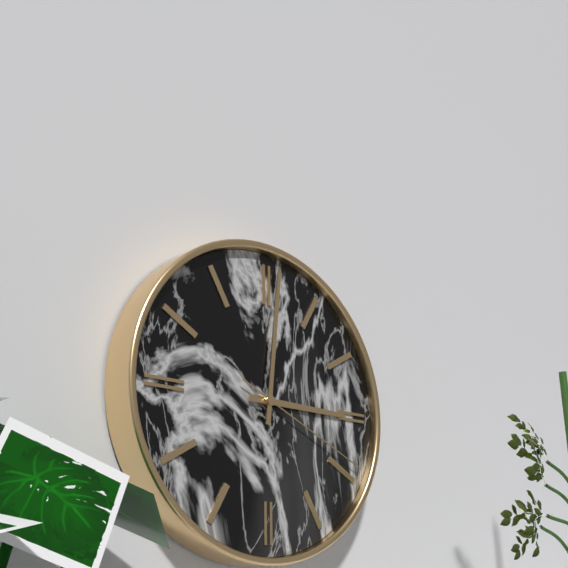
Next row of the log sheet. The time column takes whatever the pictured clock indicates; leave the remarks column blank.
3:01:19
